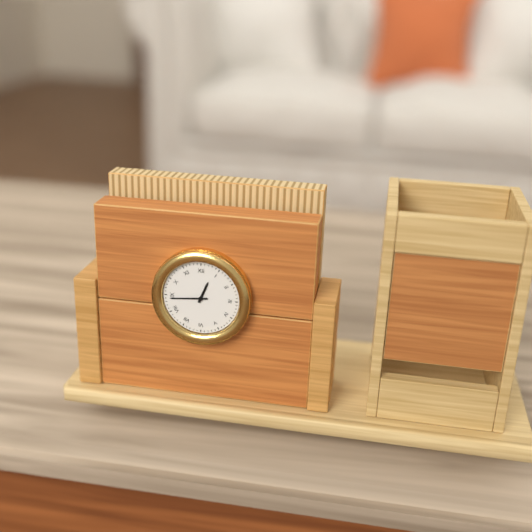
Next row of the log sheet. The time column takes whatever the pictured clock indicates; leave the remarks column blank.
12:44
